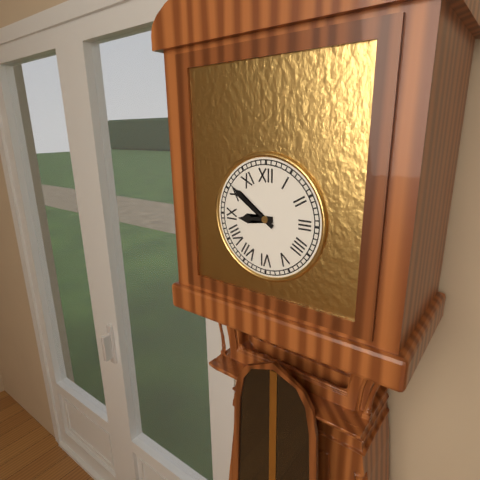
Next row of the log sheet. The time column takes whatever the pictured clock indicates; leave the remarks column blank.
8:51
